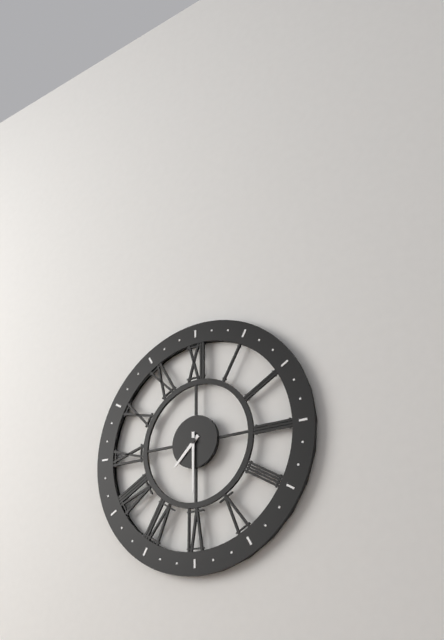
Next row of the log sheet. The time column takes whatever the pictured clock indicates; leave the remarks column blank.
7:30
